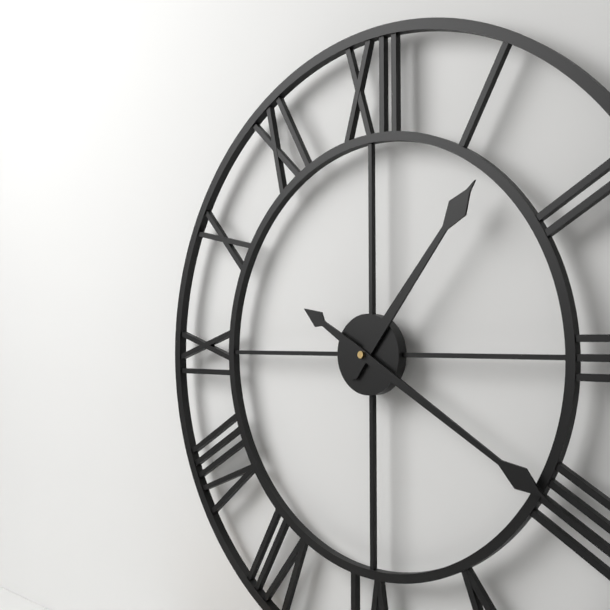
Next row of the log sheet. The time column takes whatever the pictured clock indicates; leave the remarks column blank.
1:20
